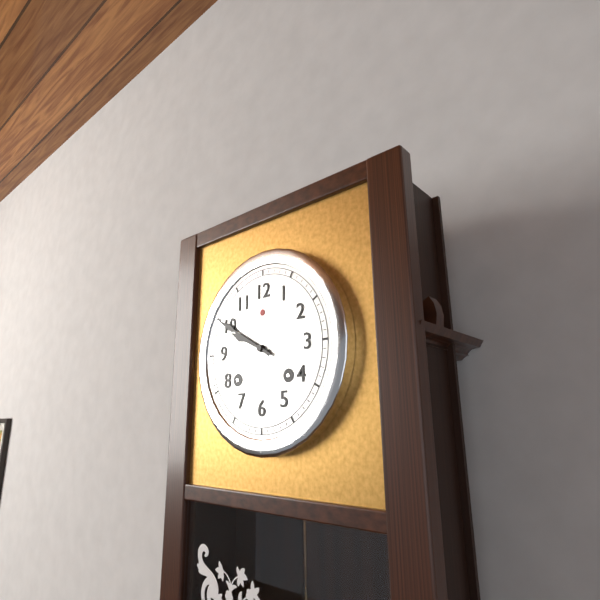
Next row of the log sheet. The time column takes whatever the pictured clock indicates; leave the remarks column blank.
9:50
